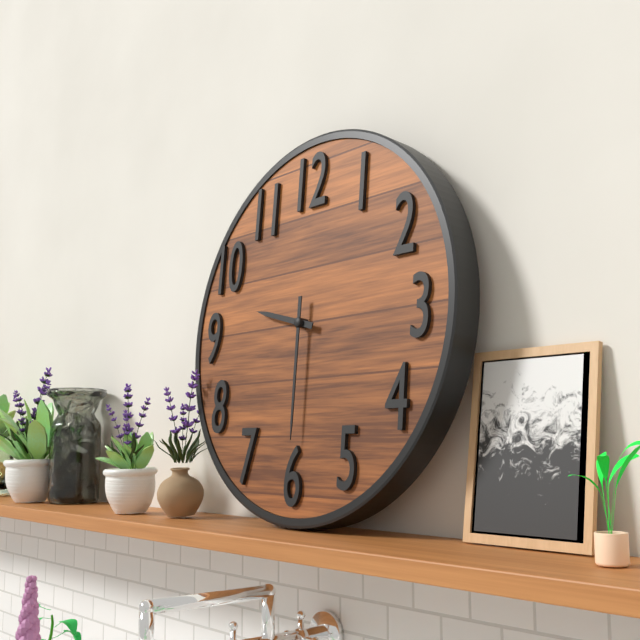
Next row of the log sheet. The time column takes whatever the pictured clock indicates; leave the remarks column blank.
9:30
